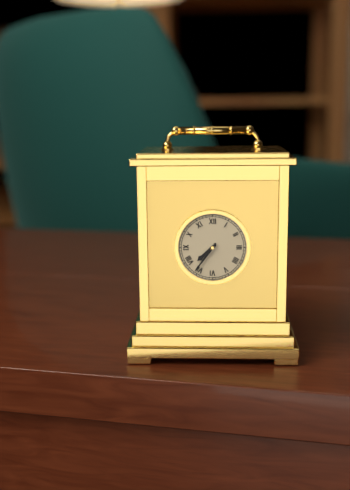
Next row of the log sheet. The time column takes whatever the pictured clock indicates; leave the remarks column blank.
7:36
